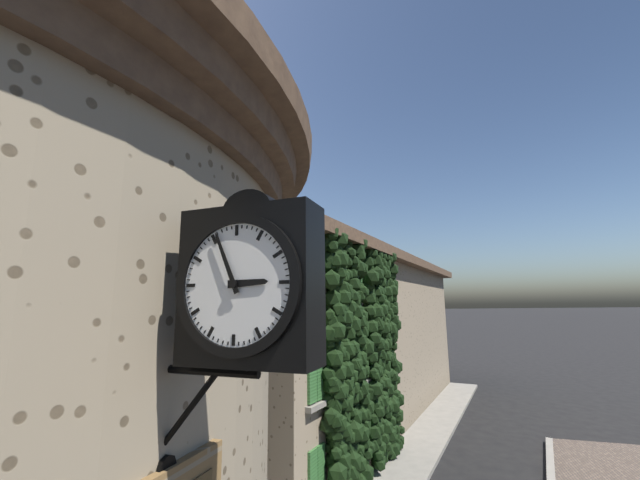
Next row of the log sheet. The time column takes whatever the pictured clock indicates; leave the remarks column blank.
2:56
